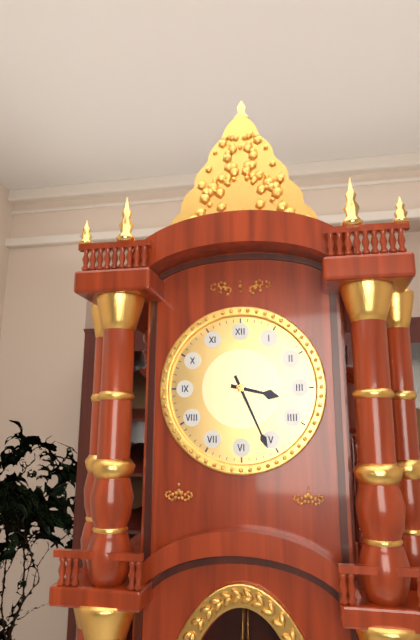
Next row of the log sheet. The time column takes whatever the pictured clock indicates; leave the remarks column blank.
3:26
